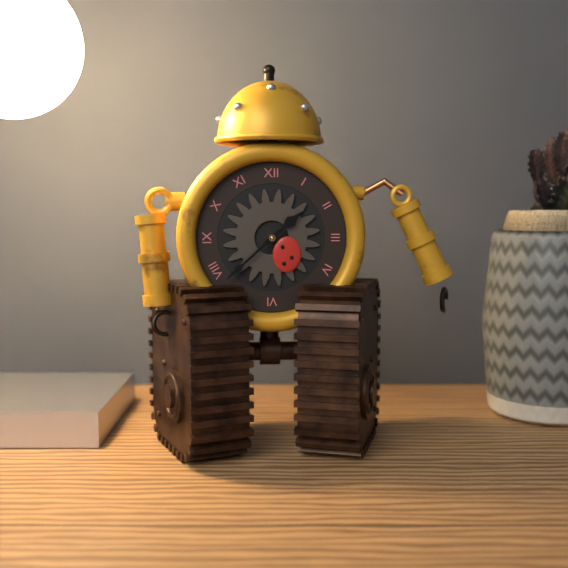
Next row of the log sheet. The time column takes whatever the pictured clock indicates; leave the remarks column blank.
1:38
